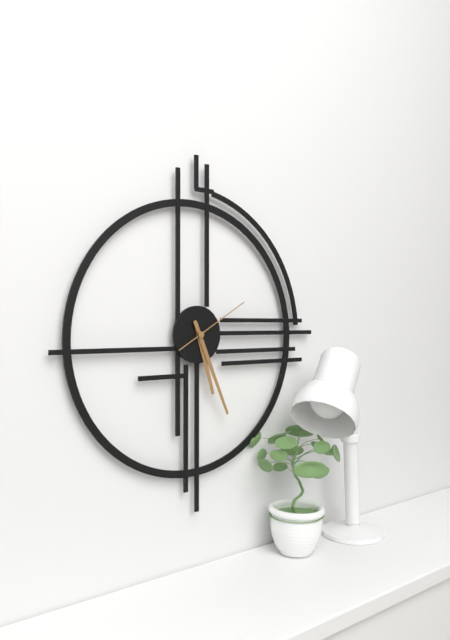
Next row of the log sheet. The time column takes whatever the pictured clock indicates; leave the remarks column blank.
5:26:10
